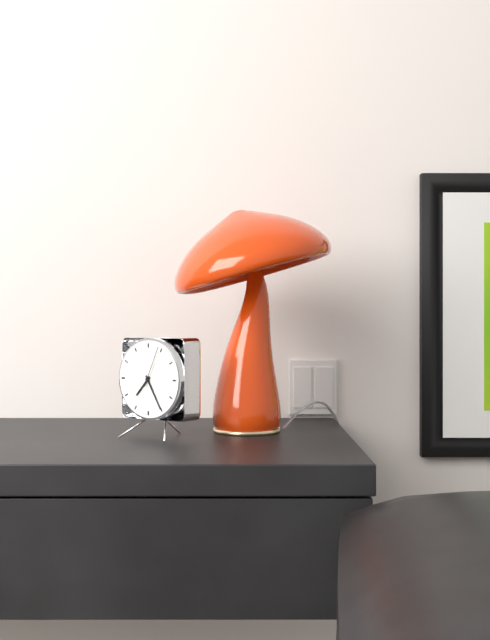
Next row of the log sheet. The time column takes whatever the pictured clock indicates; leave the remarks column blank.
7:25
